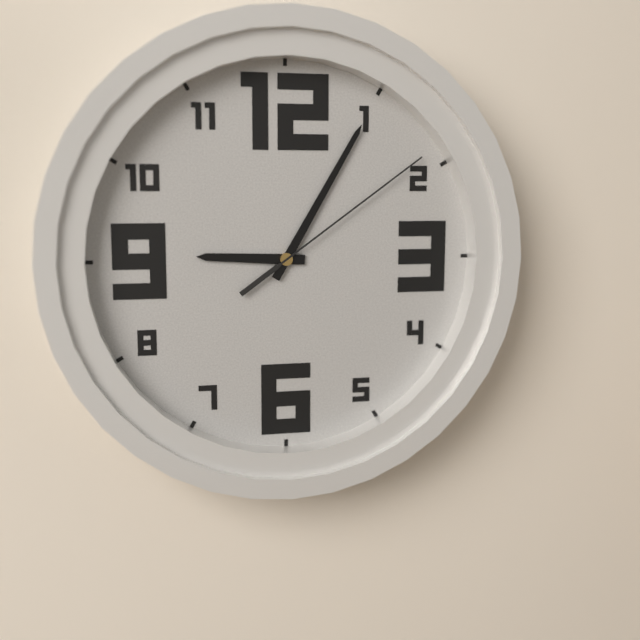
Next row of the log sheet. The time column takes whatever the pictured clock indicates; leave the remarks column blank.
9:05:09
